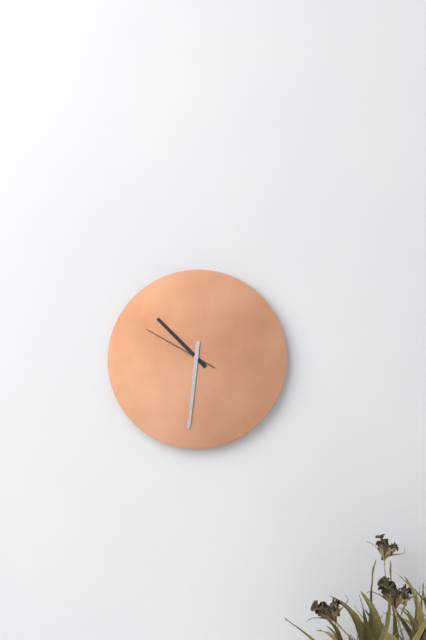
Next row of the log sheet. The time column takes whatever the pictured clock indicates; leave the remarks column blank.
10:31:50
